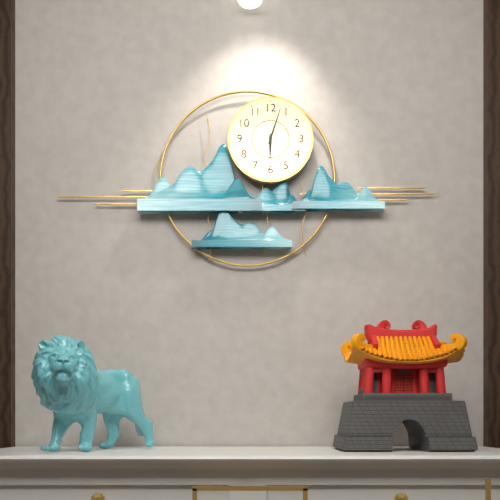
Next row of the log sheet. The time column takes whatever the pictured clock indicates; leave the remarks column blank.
6:03
